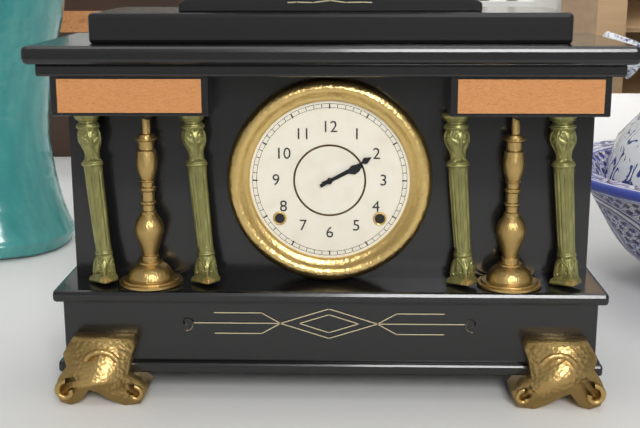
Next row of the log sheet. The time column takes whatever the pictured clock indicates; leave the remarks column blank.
2:10
